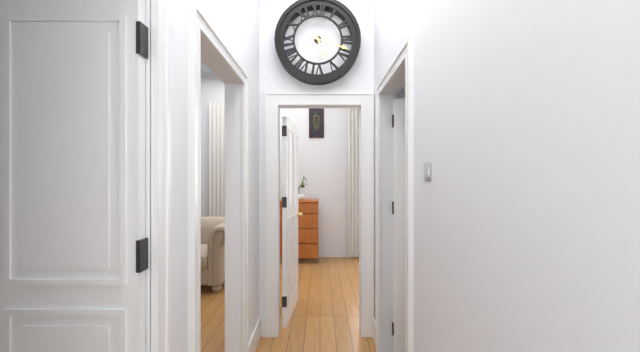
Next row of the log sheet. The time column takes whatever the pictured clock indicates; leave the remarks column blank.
5:18
